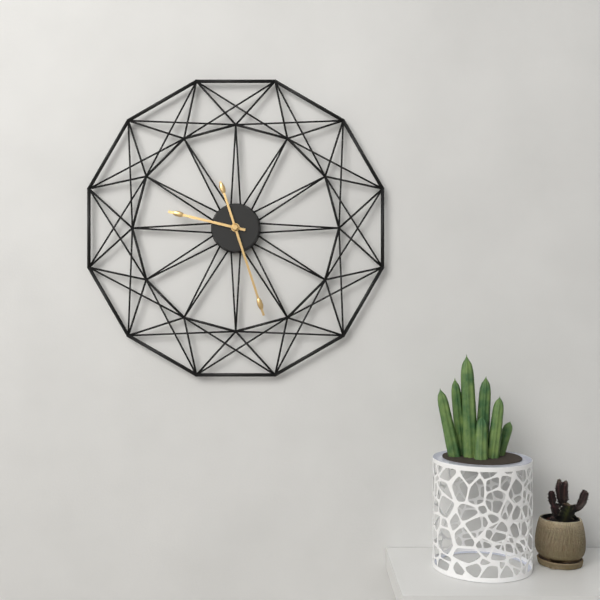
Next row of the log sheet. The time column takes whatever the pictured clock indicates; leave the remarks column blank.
9:27
